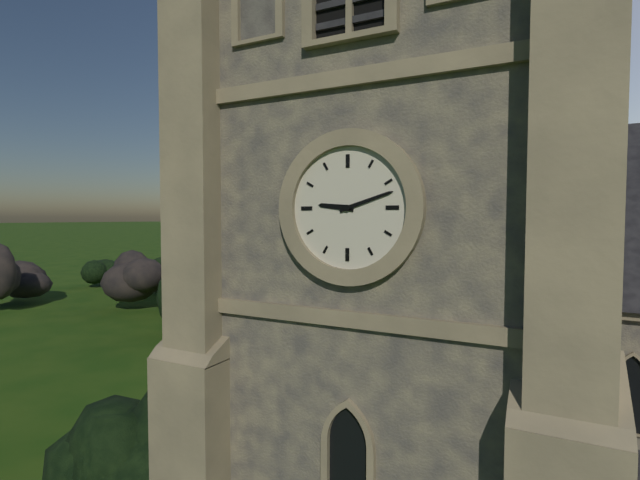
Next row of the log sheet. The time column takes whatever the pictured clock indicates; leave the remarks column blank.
9:12
